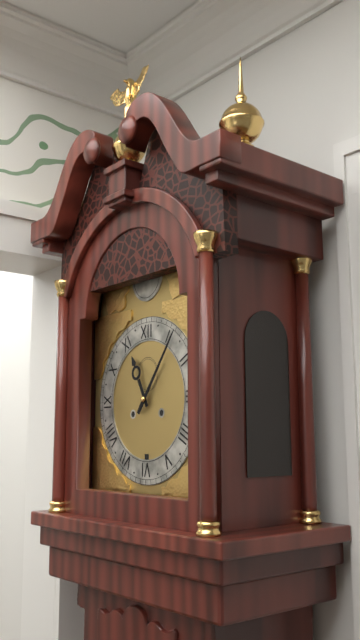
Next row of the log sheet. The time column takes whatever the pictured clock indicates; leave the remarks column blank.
11:06
